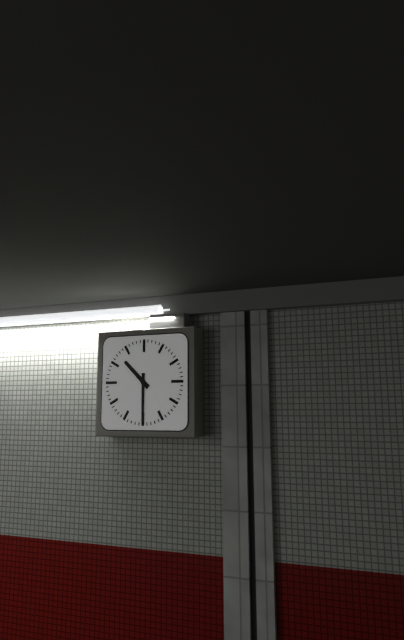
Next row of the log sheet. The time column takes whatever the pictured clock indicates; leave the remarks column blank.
10:30
